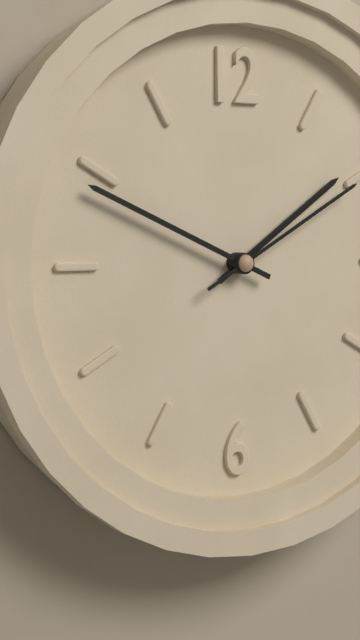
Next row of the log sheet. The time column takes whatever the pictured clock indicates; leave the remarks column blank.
1:49:10
